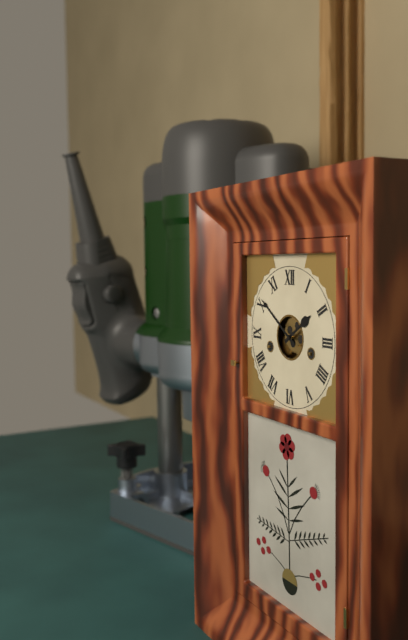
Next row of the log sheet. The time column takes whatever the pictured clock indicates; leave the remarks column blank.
1:51
